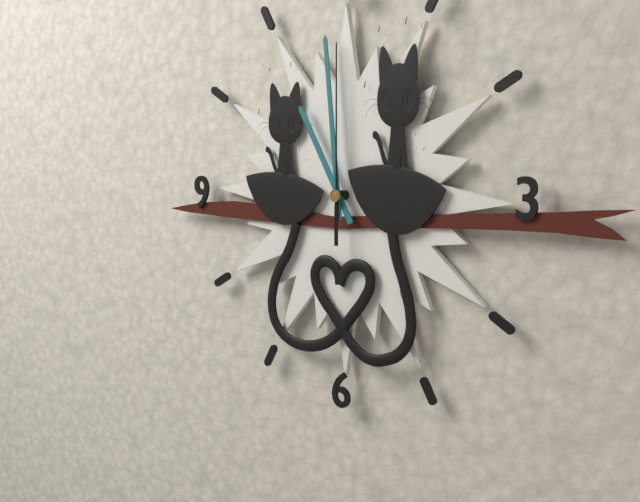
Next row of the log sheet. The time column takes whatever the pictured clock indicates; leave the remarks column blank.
10:59:00
